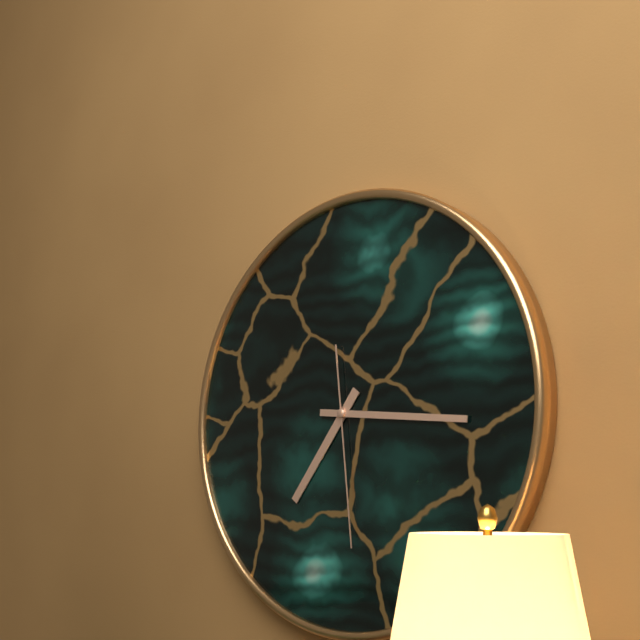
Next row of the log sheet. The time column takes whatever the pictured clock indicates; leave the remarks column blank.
7:16:29
